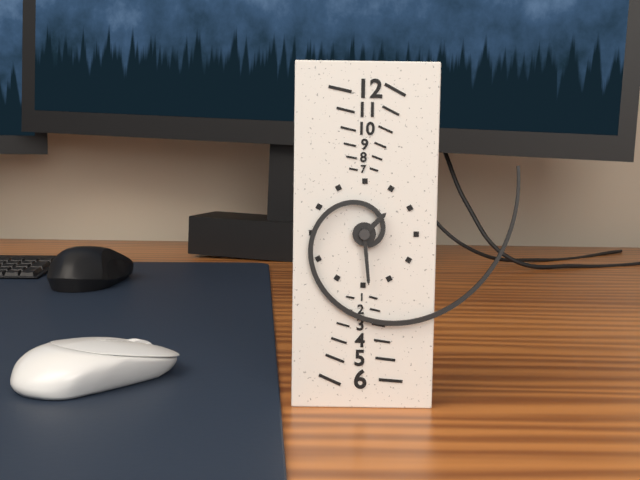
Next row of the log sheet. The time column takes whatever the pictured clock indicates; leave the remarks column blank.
1:29
